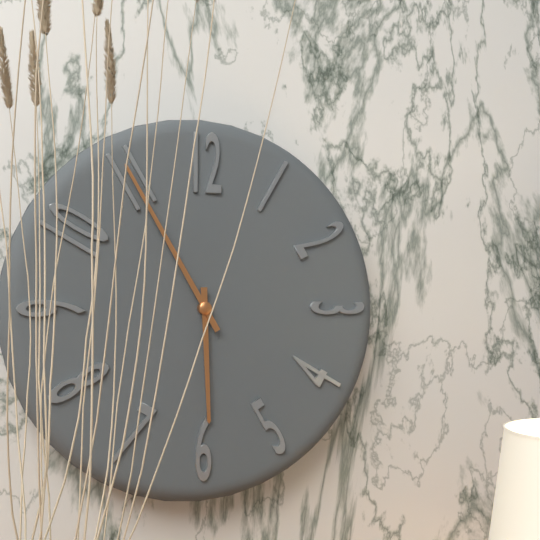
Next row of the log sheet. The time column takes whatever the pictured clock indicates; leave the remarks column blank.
5:55
